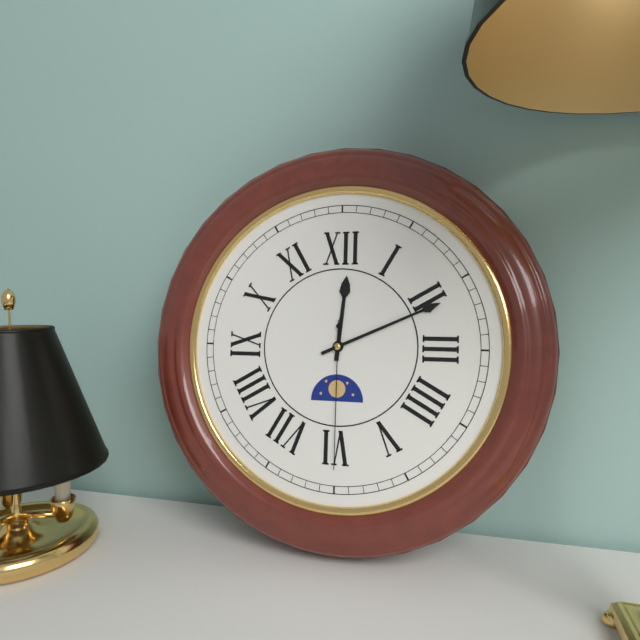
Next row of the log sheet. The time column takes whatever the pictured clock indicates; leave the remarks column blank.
12:11:30
